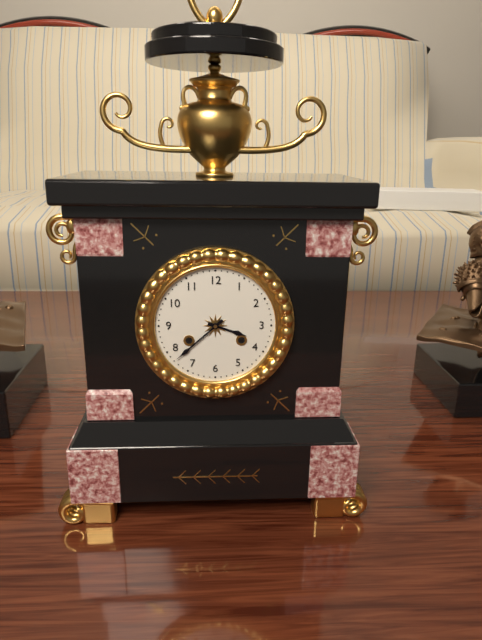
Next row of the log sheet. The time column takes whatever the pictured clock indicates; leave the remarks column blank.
3:38
